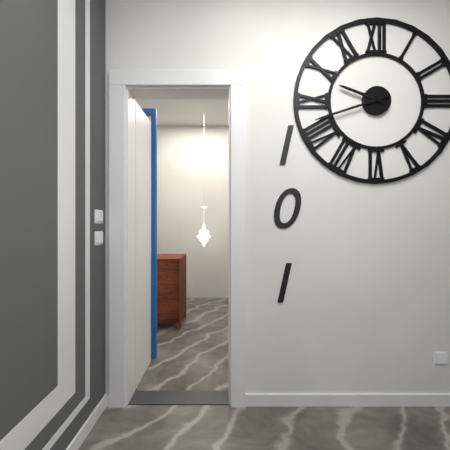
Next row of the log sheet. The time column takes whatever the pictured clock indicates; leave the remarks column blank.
9:42
